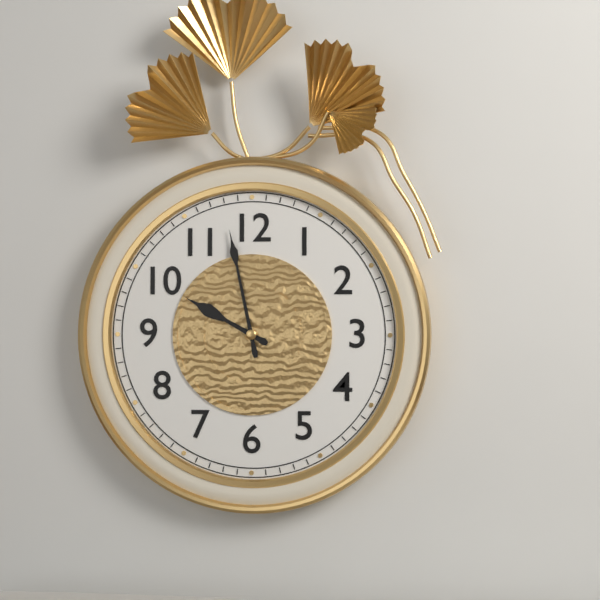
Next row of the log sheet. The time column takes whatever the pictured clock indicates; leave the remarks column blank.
9:58
